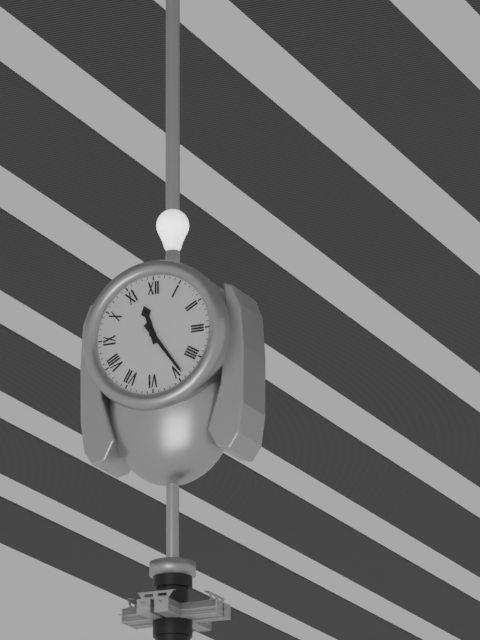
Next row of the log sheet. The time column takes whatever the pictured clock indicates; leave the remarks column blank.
11:24
